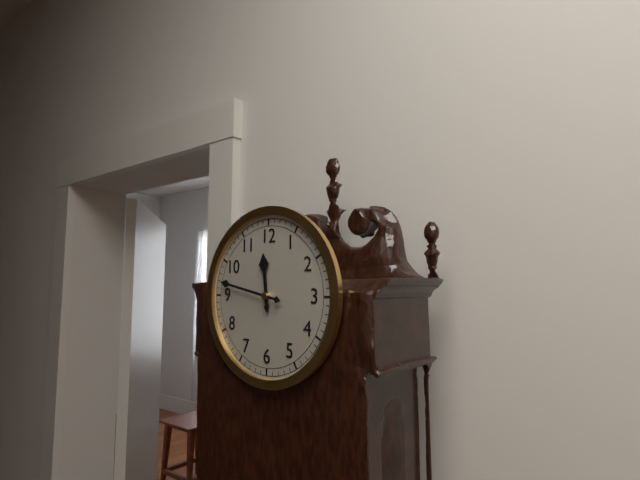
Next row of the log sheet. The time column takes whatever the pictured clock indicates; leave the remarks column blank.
11:47
